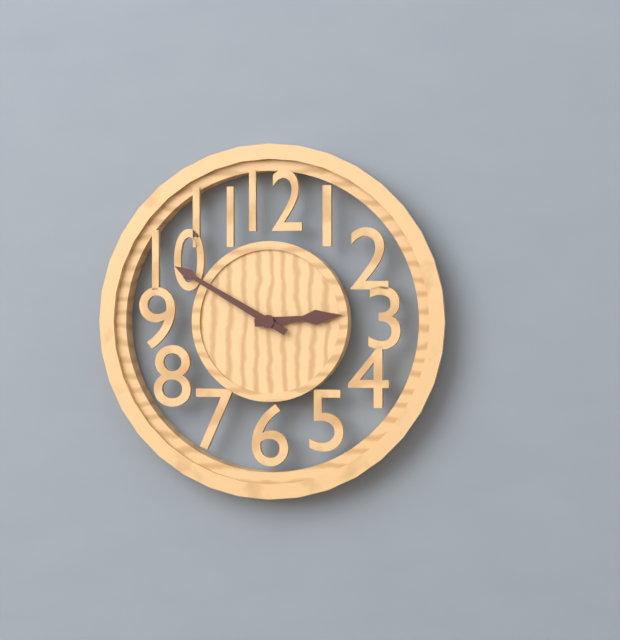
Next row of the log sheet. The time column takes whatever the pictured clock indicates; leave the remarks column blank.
2:50
